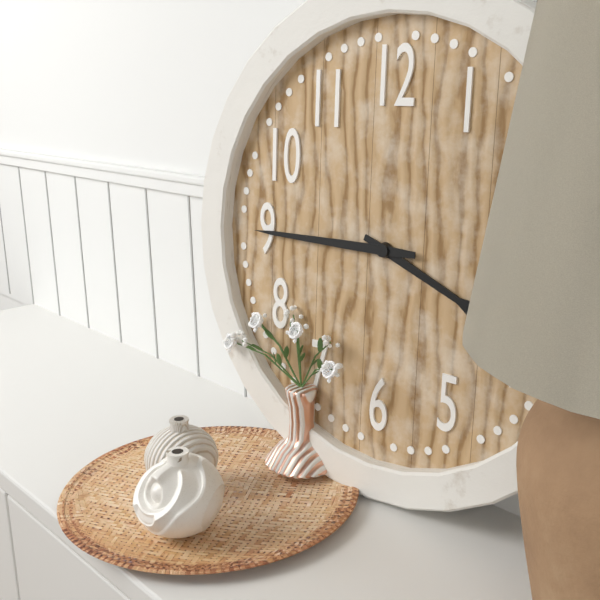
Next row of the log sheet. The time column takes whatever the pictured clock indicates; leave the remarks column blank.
3:45
